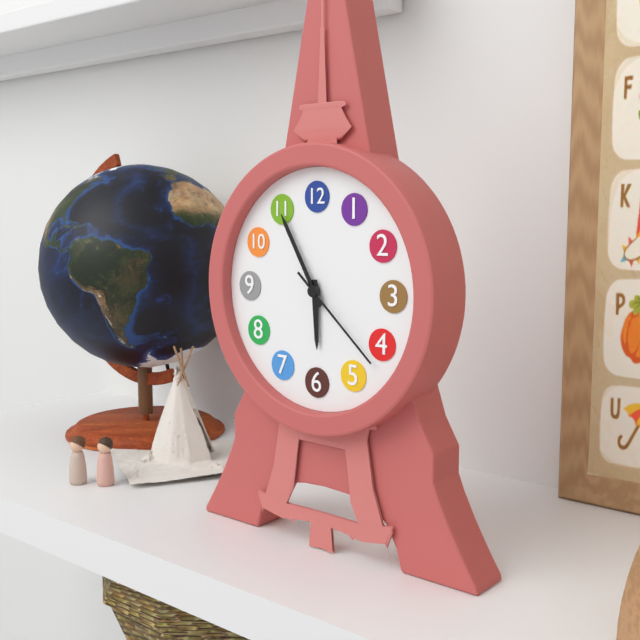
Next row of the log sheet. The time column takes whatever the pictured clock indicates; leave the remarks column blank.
5:55:22
